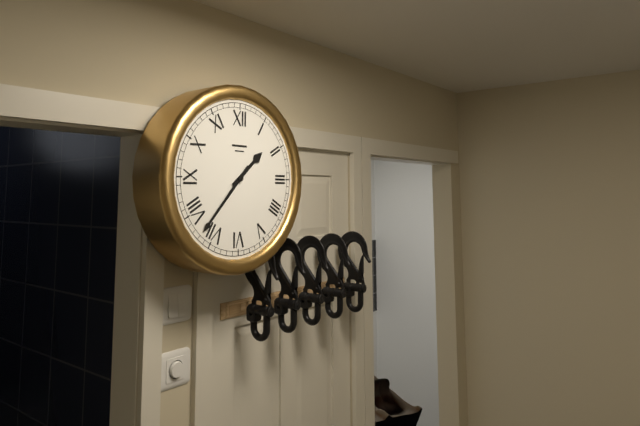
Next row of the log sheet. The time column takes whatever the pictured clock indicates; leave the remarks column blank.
1:37
